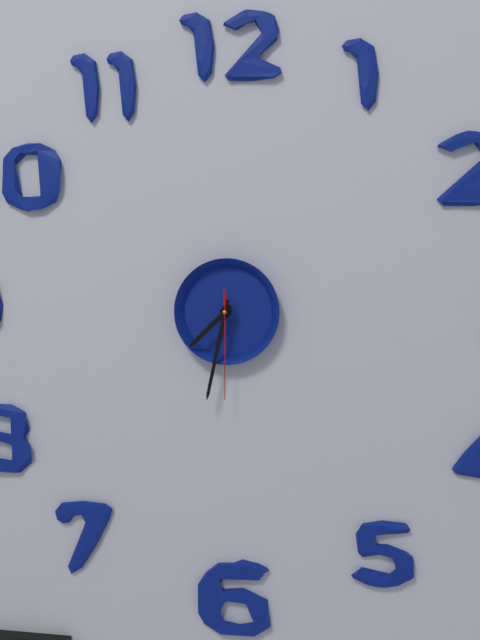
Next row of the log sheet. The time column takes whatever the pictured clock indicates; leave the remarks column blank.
7:32:30
